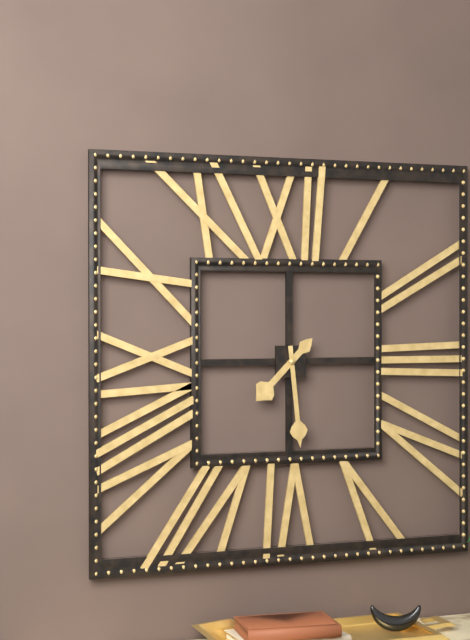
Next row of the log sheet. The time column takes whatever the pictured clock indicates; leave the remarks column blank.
7:29
